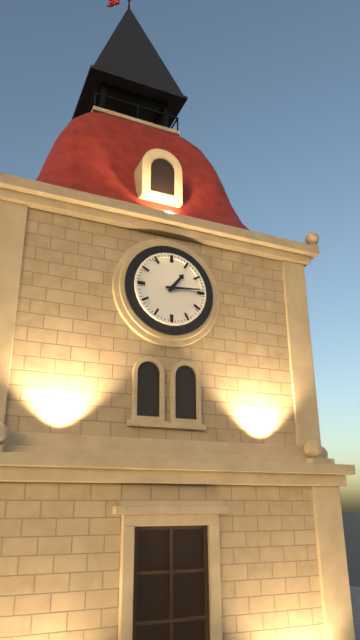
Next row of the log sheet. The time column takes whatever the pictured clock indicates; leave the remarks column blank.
1:14
